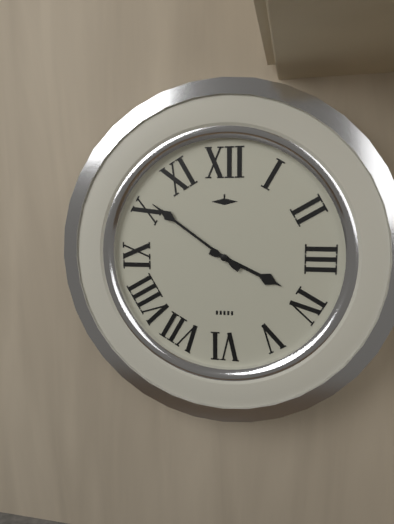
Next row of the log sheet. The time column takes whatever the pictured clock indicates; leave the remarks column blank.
3:51
